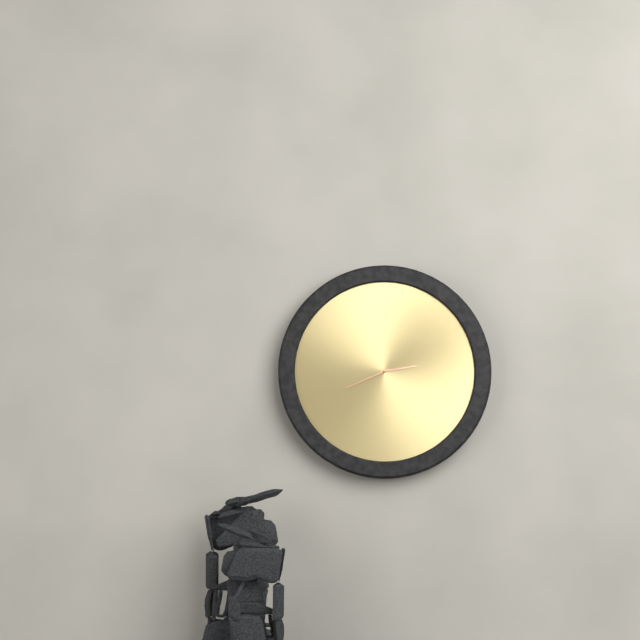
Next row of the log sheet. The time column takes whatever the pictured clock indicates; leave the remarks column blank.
2:41
